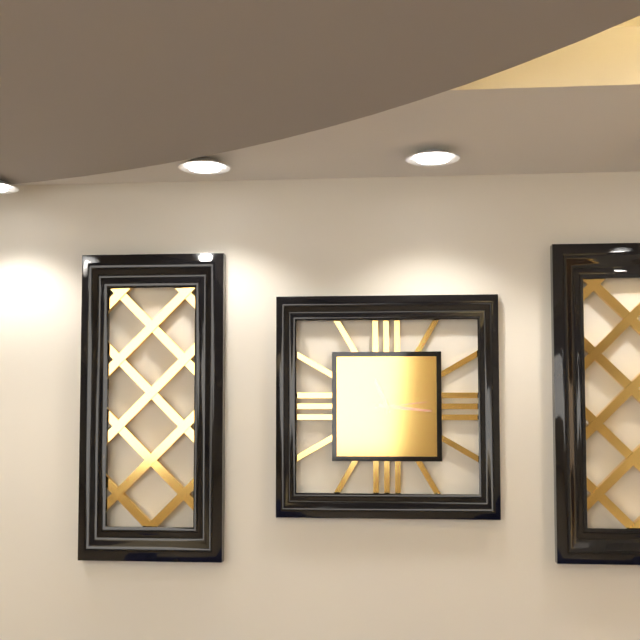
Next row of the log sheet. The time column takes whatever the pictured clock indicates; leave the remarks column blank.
11:16:14
